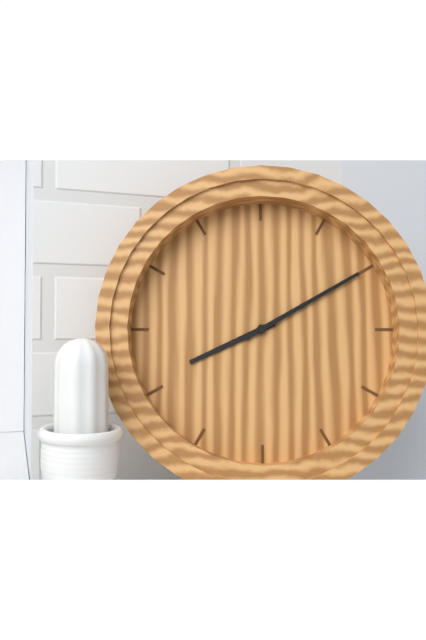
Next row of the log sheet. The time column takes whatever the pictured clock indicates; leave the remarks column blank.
8:10
